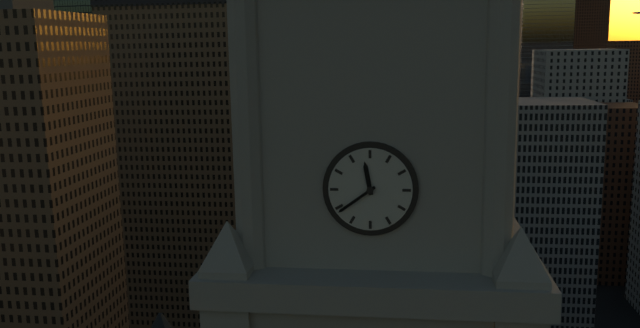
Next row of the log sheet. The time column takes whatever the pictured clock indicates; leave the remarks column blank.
11:39
